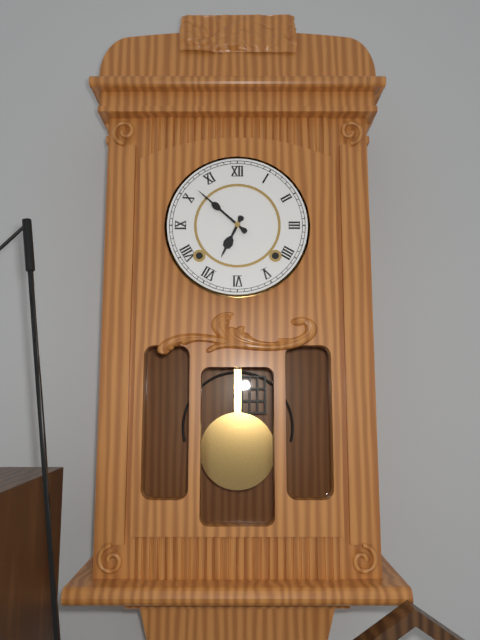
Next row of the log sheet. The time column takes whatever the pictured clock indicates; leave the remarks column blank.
6:52
